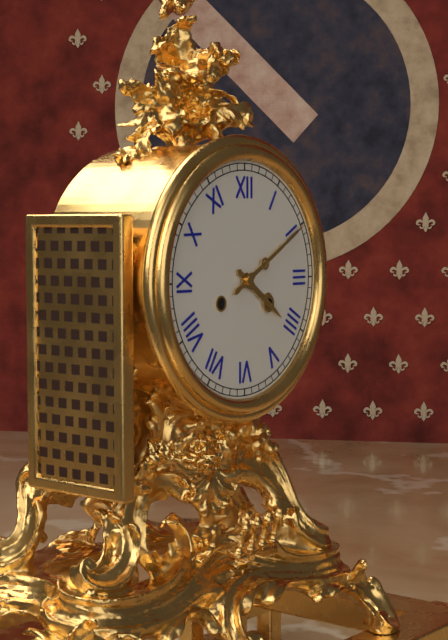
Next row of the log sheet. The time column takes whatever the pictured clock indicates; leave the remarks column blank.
4:10
